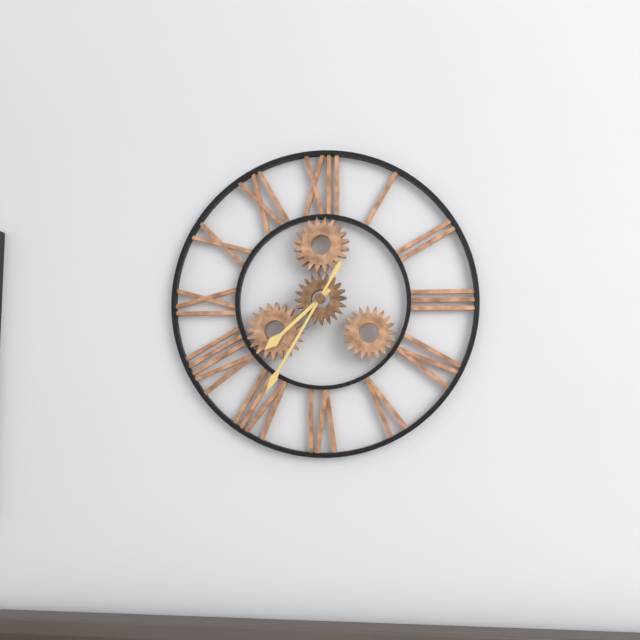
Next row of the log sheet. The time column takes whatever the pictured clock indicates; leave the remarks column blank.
7:35
